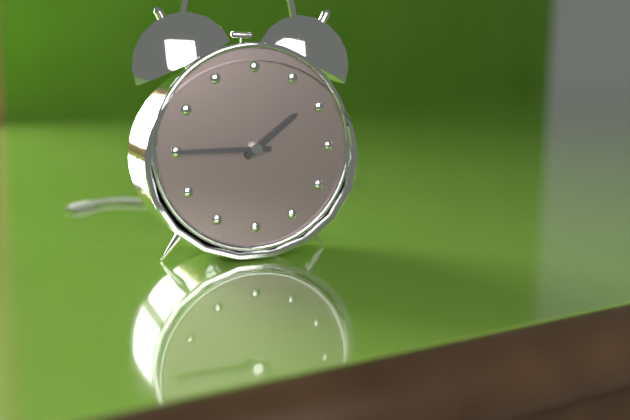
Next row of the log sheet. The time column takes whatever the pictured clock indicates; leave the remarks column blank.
1:45
